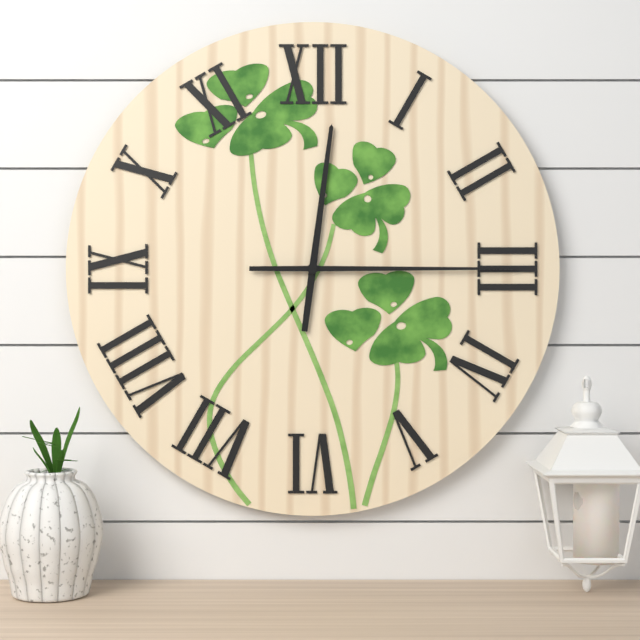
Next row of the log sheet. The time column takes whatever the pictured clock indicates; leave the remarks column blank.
12:15
